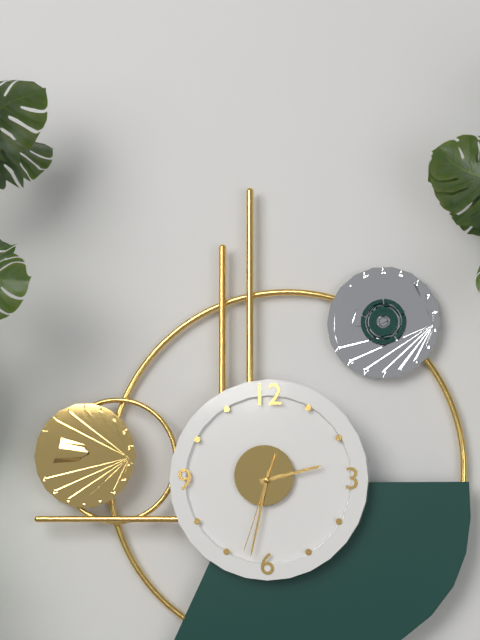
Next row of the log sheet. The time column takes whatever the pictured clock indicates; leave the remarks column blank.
2:32:33
